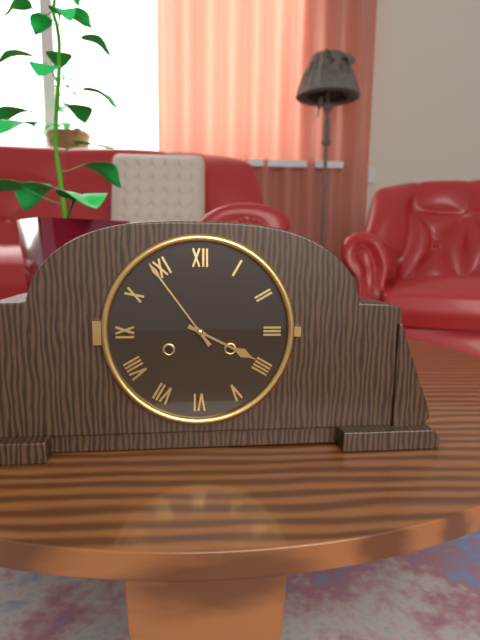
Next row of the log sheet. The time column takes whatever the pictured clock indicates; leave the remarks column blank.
3:54
